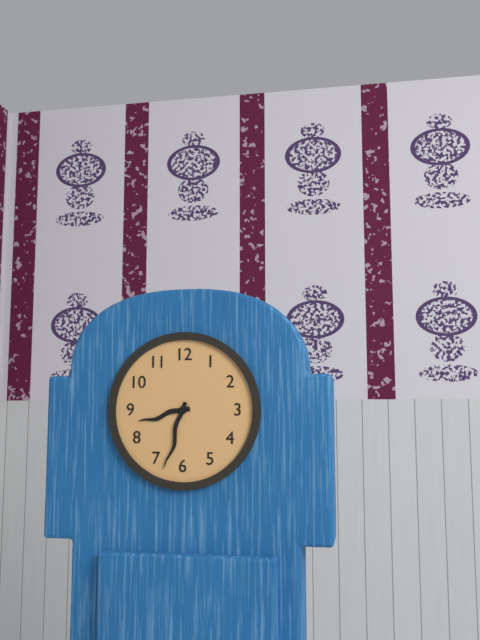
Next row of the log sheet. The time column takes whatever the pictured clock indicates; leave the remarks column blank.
8:33
